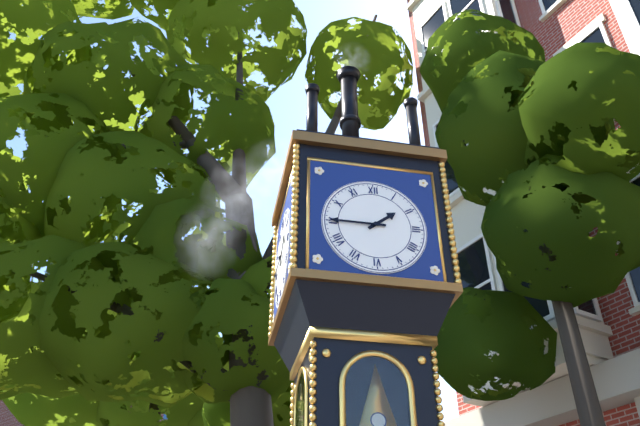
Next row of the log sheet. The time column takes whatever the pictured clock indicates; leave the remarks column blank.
1:45
